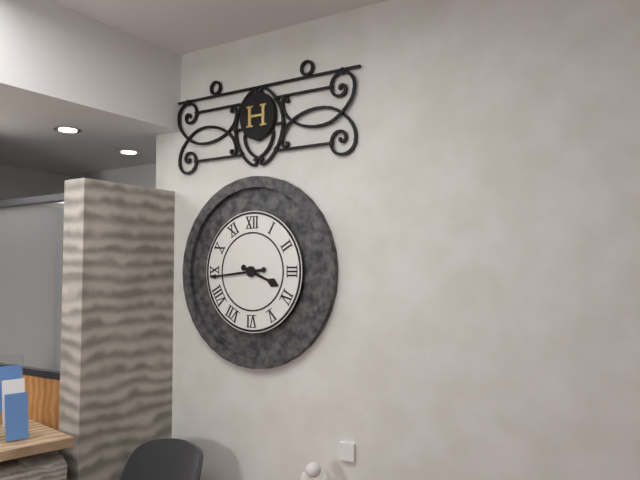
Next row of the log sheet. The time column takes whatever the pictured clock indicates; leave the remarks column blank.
3:44
